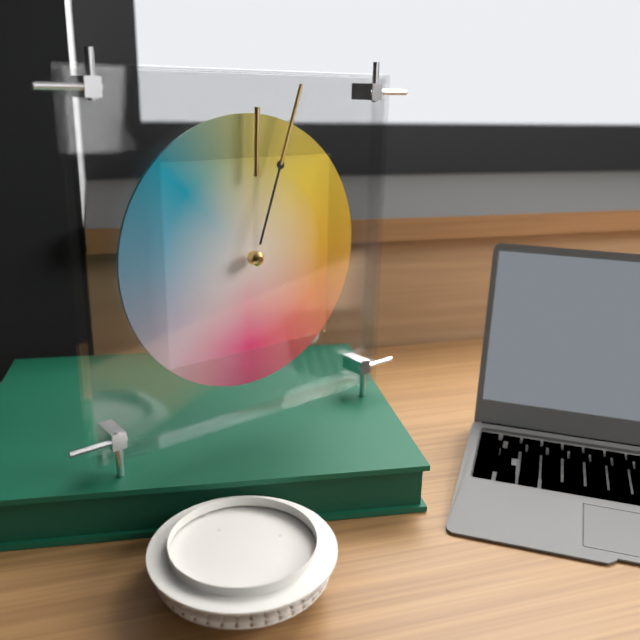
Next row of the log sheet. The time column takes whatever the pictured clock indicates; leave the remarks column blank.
12:03
